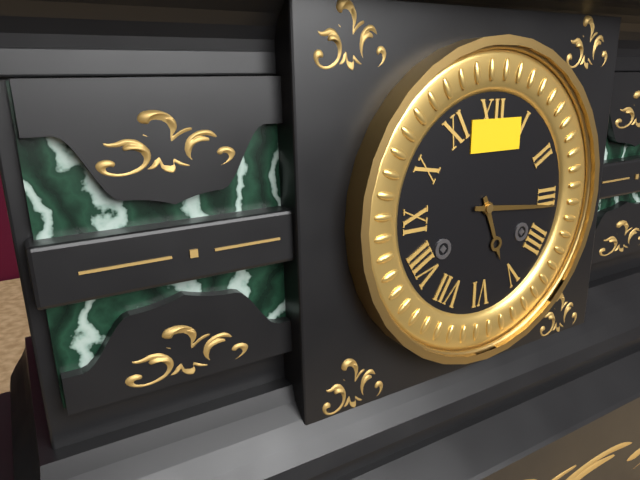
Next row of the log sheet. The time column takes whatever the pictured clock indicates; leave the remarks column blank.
5:16
